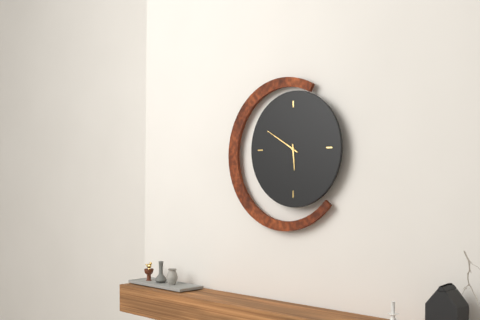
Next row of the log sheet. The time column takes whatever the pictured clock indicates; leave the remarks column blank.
5:50
